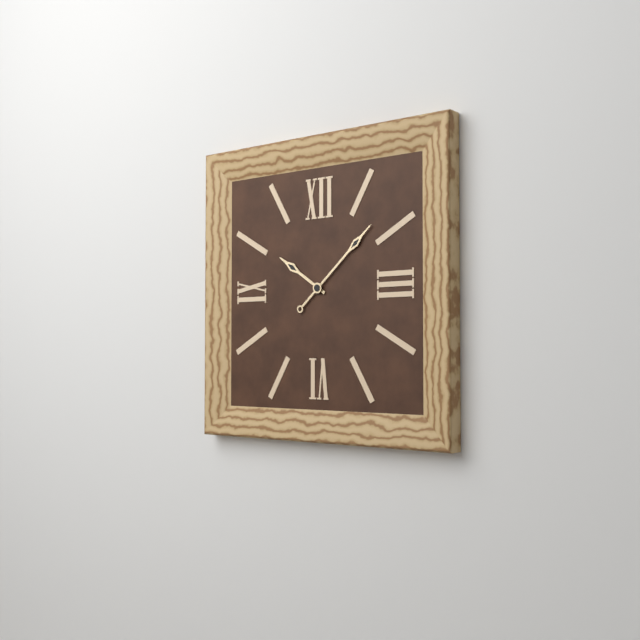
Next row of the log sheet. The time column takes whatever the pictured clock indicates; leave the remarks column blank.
10:08
